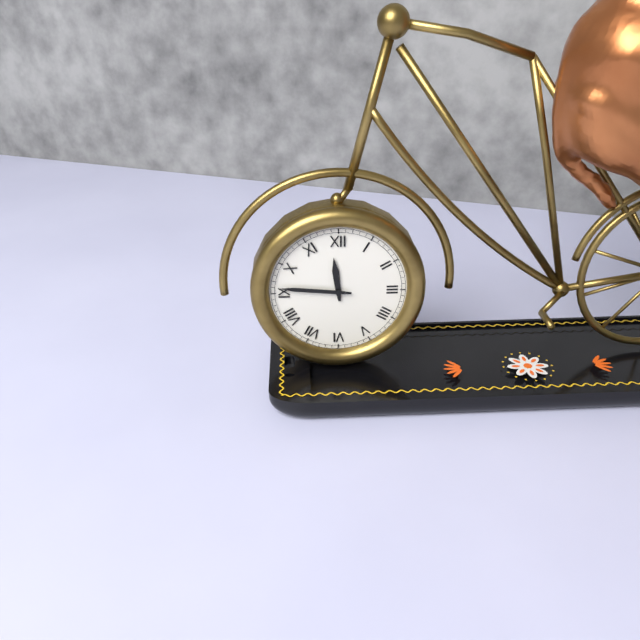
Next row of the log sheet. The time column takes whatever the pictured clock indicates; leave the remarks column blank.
11:46
